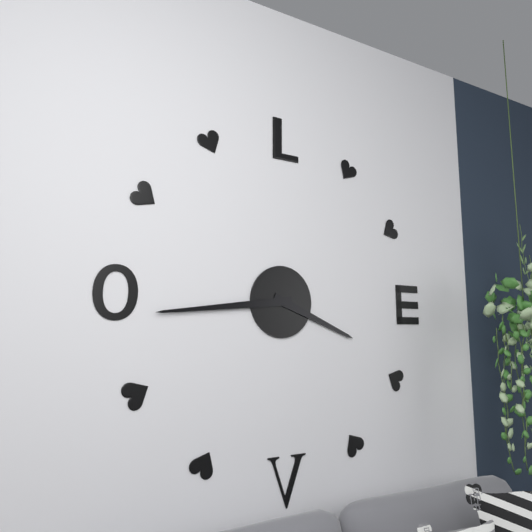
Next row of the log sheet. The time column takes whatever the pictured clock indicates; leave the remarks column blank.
3:44
